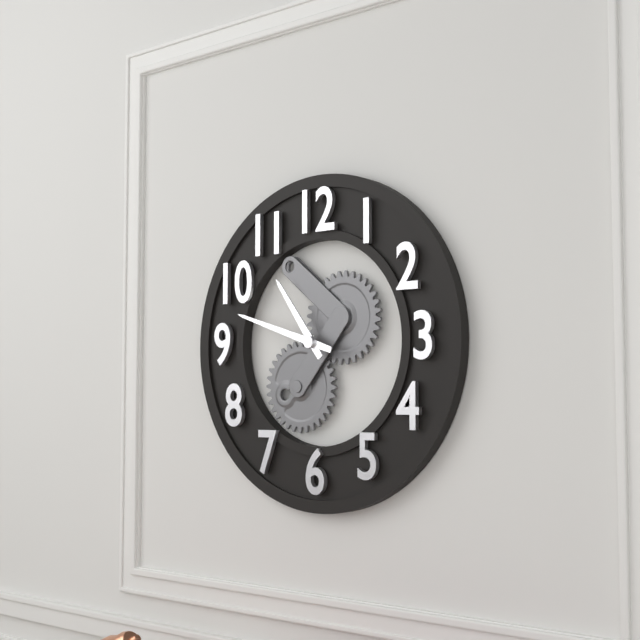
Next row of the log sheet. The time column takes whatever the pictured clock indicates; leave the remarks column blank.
10:48
